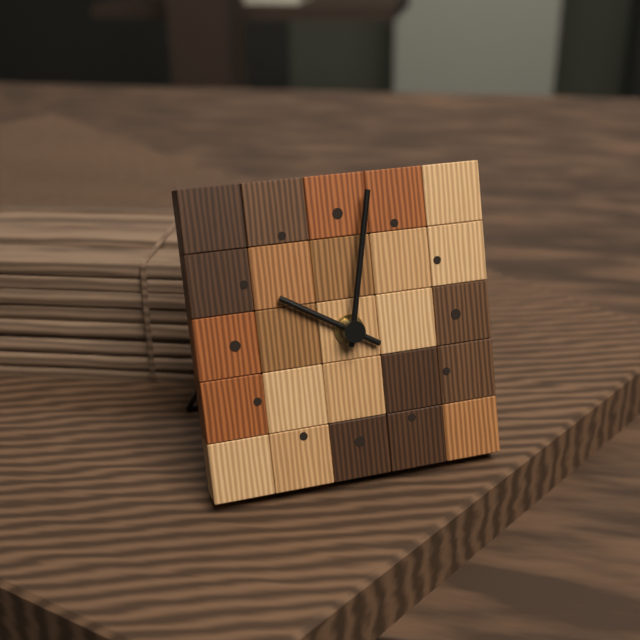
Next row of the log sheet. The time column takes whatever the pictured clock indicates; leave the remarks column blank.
10:02
